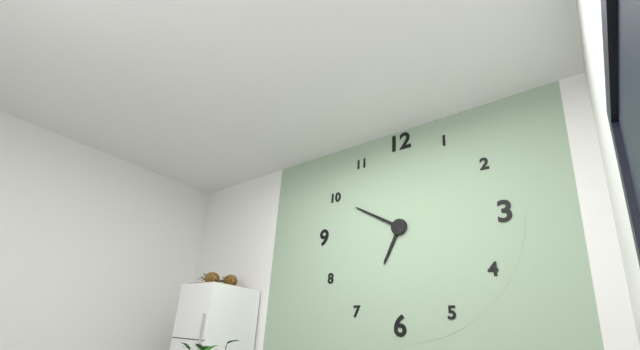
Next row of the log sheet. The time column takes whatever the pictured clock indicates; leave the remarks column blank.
6:50
